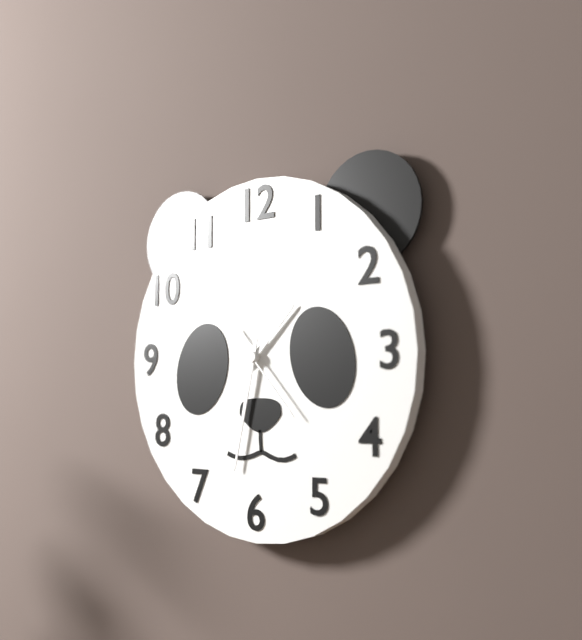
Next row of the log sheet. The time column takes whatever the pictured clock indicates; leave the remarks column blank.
1:32:23
